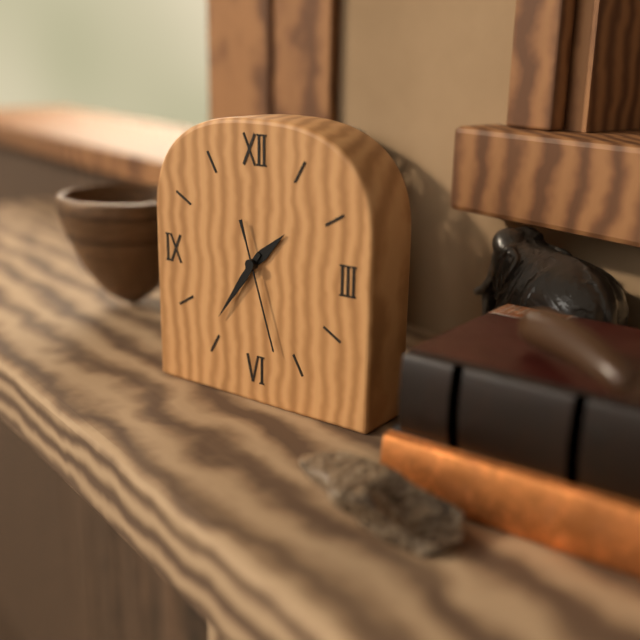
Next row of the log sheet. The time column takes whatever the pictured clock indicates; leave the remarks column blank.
1:36:27
